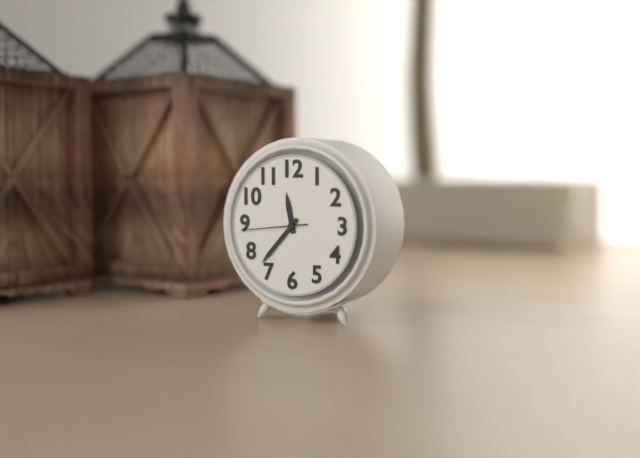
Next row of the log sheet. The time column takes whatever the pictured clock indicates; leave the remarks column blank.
11:37:44
